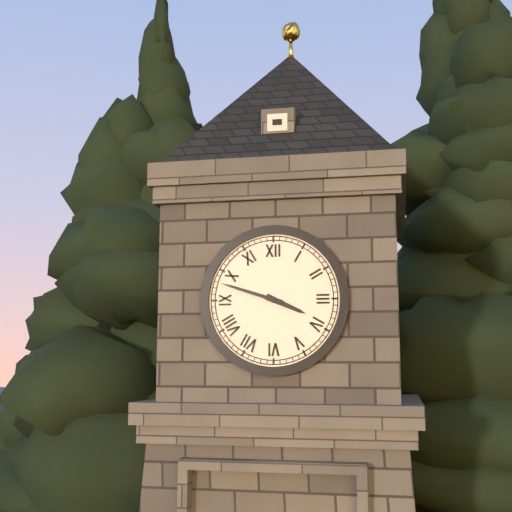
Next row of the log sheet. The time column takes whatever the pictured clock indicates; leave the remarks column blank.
3:48
